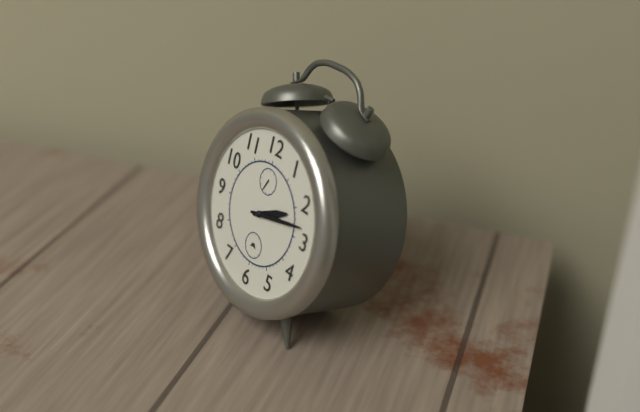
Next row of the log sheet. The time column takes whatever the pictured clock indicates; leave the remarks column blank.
2:13
